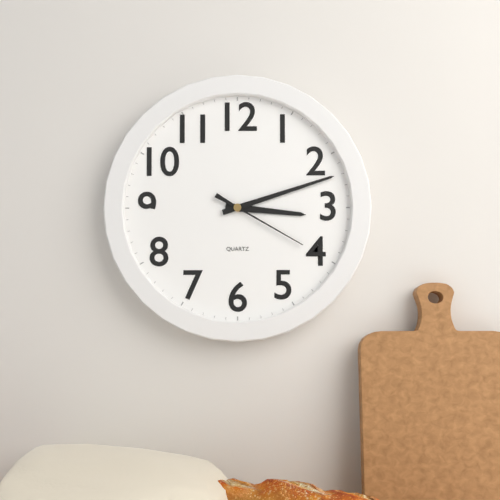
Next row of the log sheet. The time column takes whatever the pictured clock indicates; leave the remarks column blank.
3:12:20
